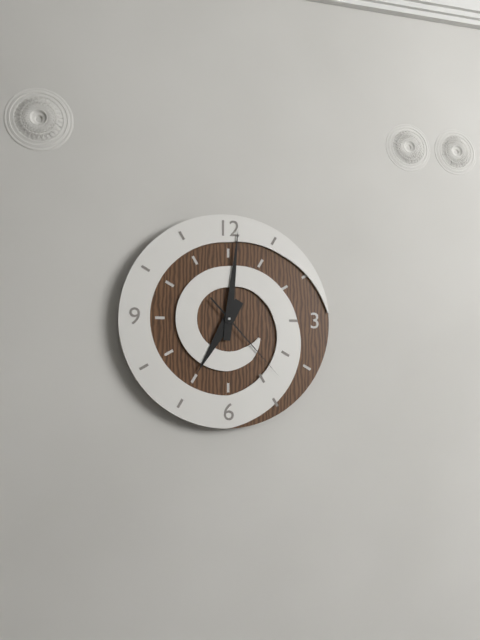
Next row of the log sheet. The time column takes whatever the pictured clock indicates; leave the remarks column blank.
7:01:23
